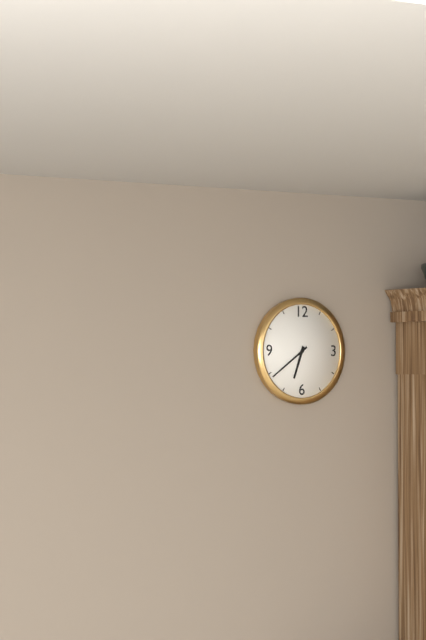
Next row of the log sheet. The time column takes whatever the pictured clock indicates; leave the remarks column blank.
6:39
